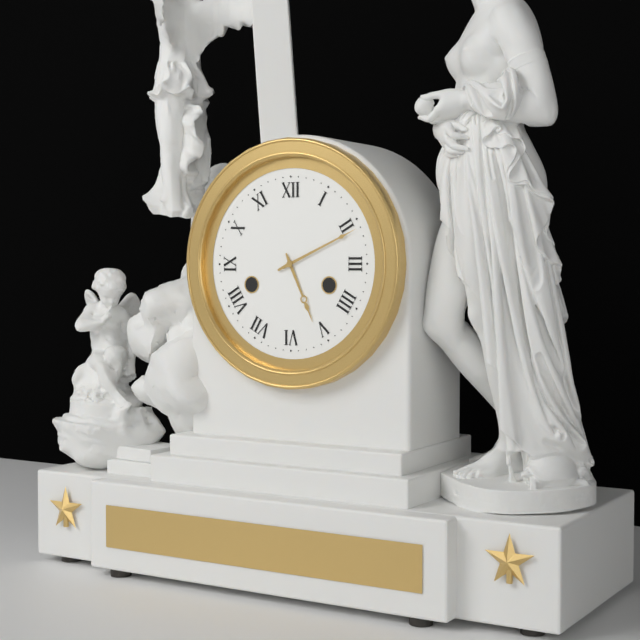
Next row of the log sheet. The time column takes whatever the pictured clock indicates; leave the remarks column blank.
5:11
